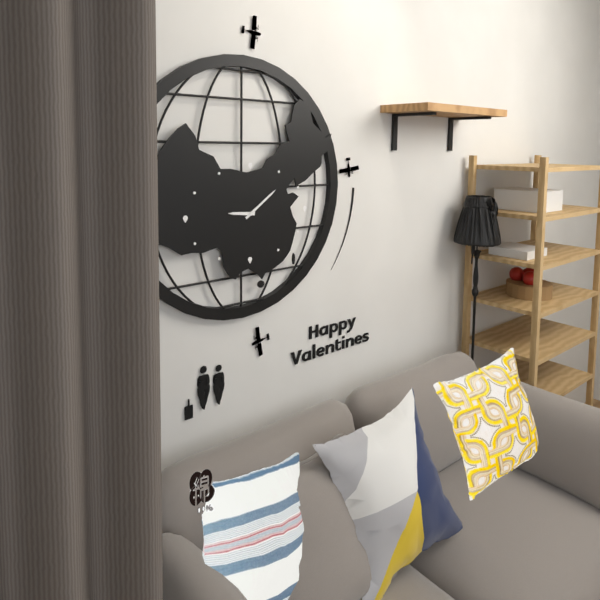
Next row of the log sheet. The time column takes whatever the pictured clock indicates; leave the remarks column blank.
9:09
